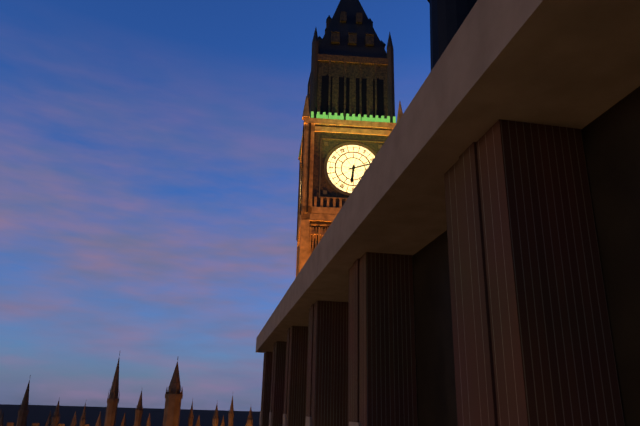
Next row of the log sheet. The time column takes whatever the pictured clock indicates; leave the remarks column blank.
6:12
